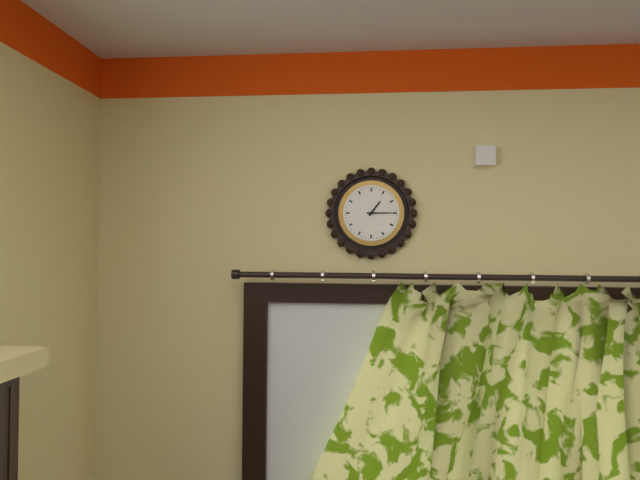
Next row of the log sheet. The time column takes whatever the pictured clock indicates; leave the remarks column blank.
1:15
